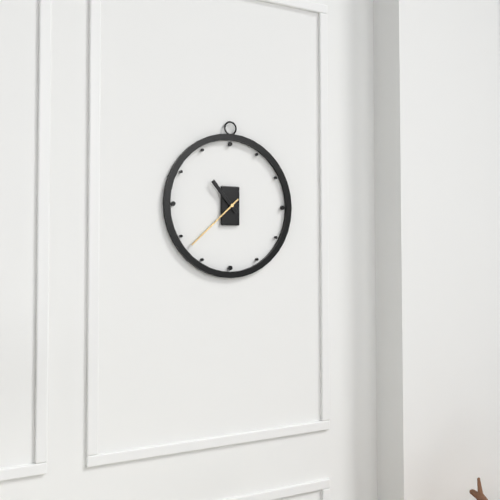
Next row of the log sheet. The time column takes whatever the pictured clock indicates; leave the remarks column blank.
10:38
